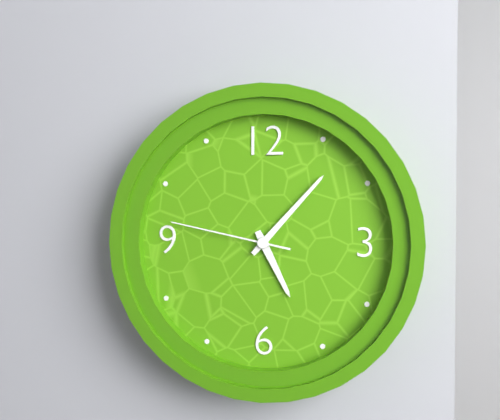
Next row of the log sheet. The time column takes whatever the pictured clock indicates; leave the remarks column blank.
5:07:47
